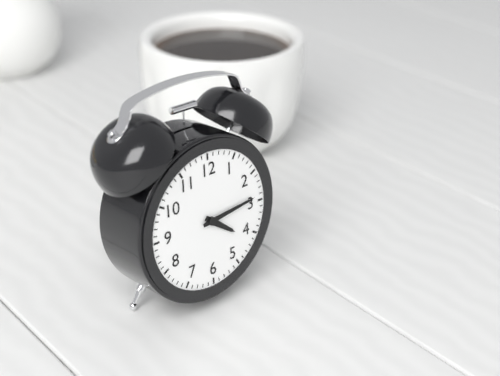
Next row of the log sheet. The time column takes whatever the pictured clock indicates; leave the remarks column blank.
4:14
